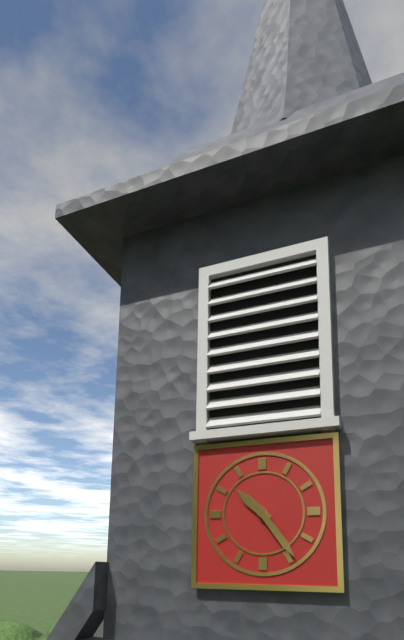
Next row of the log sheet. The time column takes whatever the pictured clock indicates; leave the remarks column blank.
10:24
